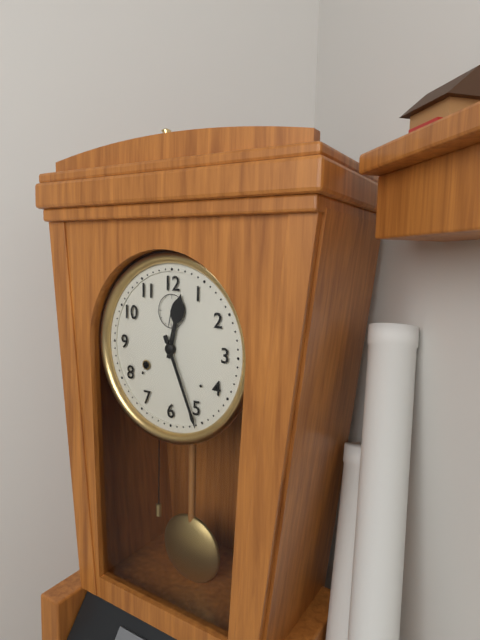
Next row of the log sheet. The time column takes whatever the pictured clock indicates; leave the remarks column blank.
12:26
